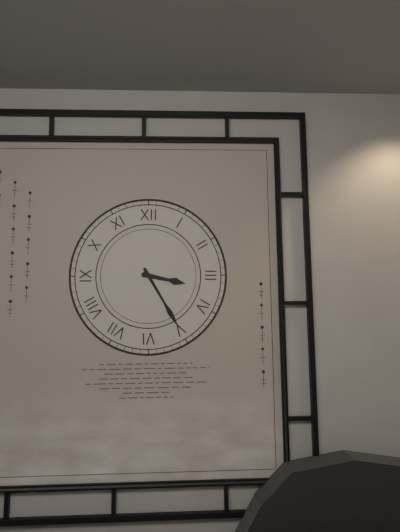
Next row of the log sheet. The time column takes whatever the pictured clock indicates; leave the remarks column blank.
3:25
